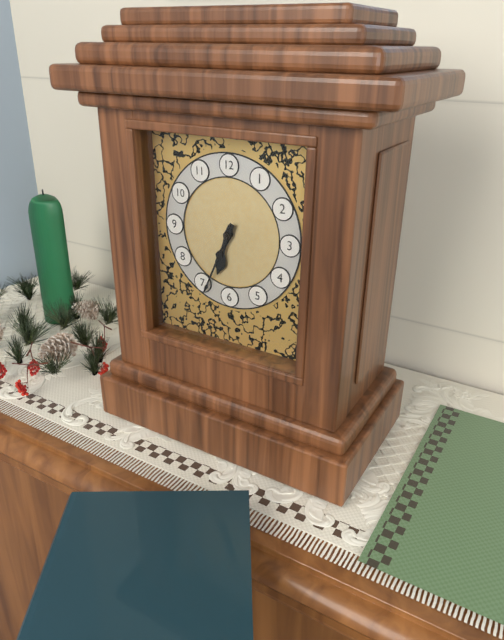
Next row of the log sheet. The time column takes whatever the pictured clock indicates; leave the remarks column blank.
6:34
